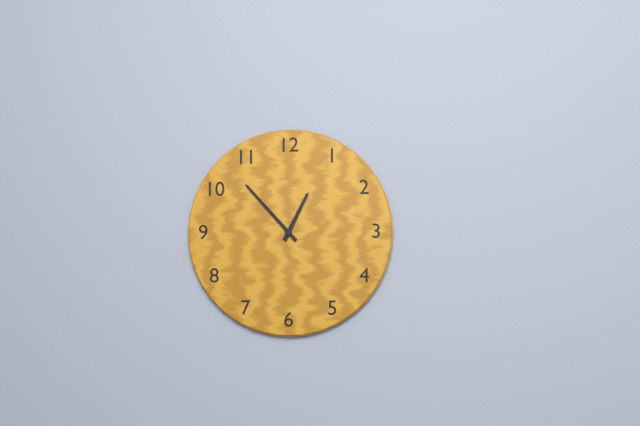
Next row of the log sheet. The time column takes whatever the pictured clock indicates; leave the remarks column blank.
12:53
